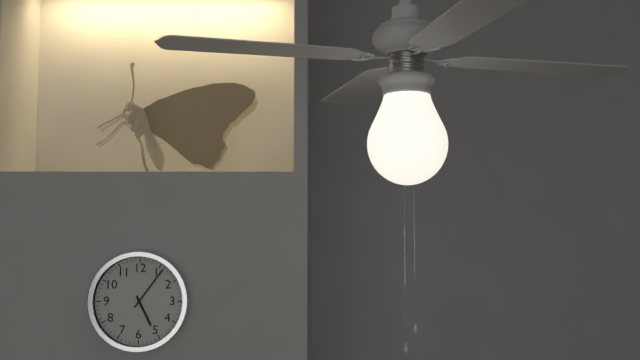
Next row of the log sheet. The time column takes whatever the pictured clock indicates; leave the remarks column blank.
5:06
